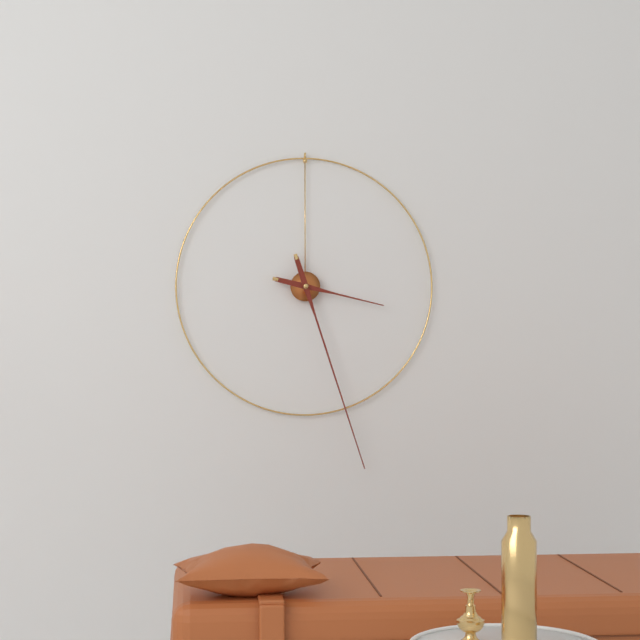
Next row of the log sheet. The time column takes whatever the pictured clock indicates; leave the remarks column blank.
3:27
